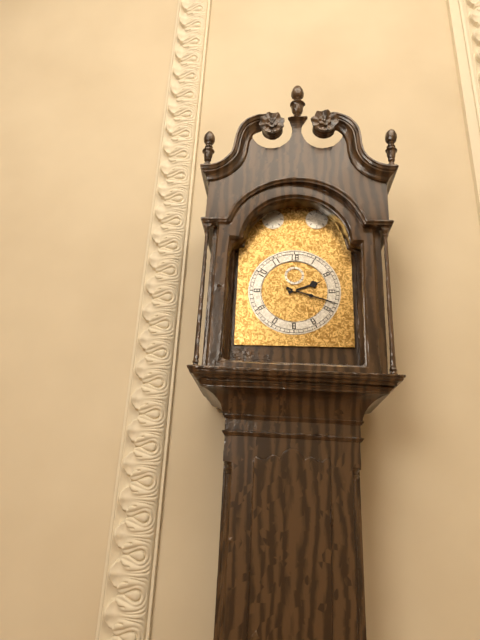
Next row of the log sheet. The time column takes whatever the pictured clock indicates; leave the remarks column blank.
2:18
